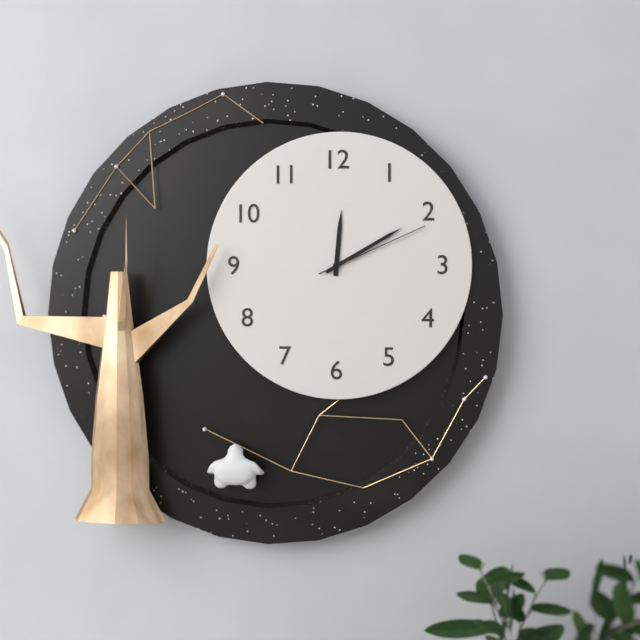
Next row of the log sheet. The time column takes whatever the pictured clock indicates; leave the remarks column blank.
12:10:11
